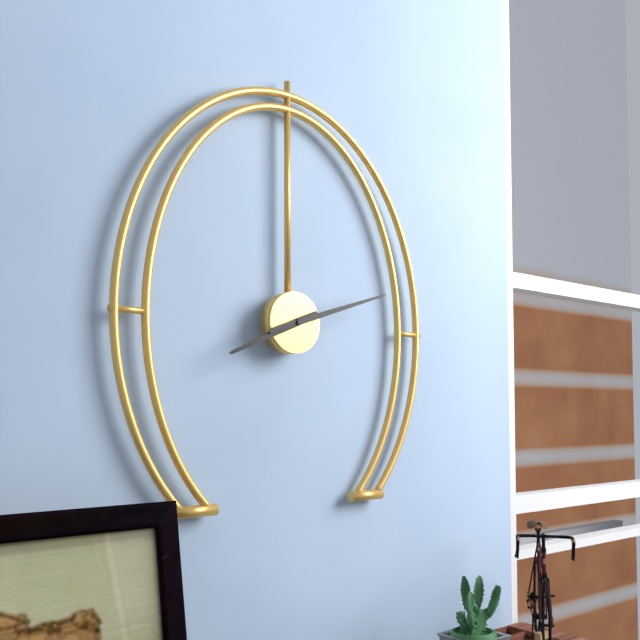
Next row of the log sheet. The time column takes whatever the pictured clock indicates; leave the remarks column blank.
8:12
